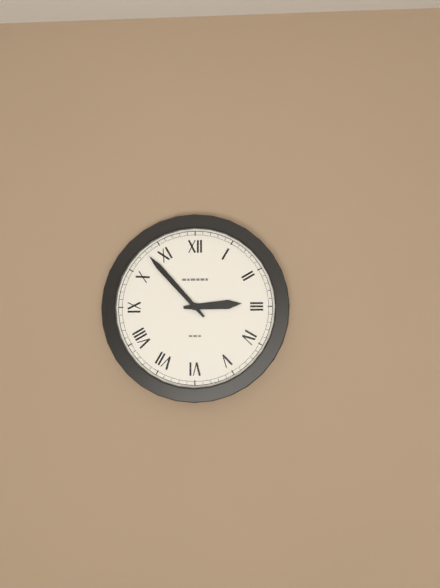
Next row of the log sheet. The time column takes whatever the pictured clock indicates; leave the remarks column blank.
2:53
